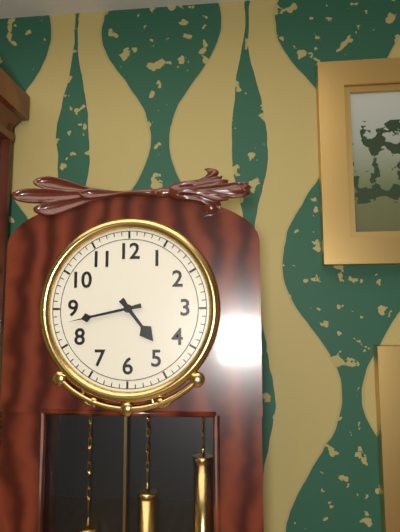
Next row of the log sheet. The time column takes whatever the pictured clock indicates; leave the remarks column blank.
4:43
